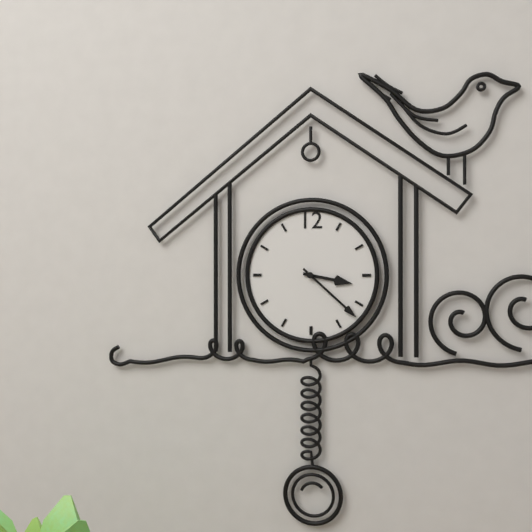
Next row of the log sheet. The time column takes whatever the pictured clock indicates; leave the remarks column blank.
3:22
